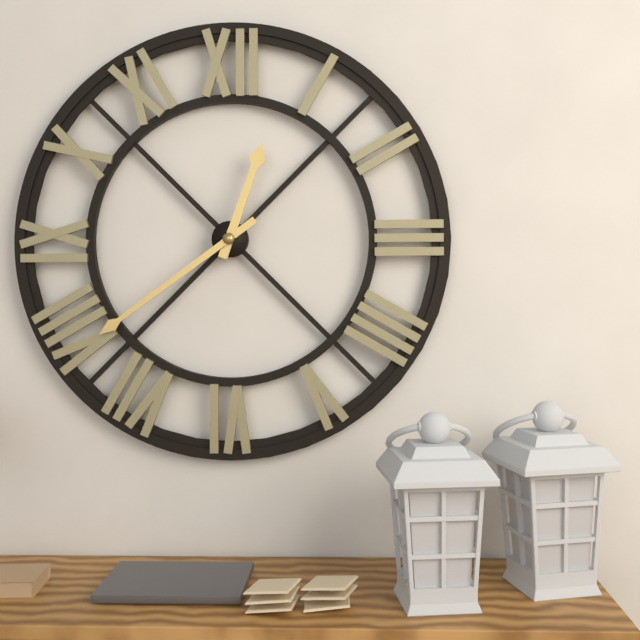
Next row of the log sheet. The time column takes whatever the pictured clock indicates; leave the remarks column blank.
12:39
